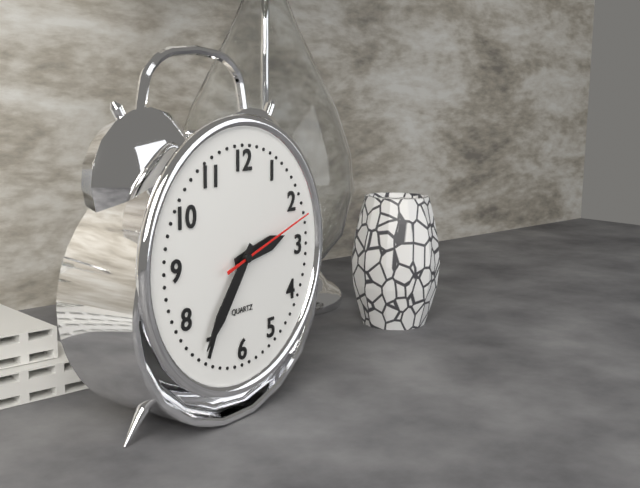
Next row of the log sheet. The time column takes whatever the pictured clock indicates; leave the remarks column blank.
2:36:12
